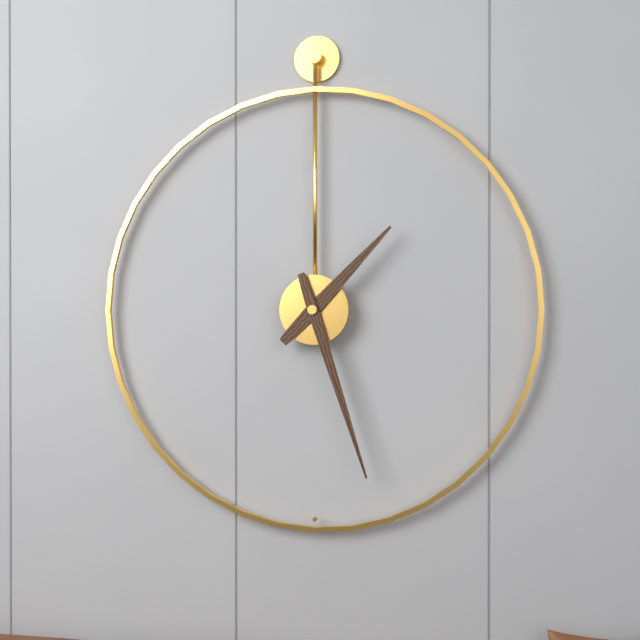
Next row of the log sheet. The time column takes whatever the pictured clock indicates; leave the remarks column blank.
1:27
